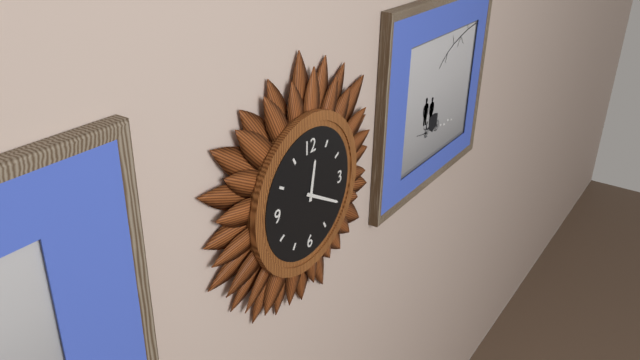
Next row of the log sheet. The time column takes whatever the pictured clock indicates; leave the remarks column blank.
12:20
